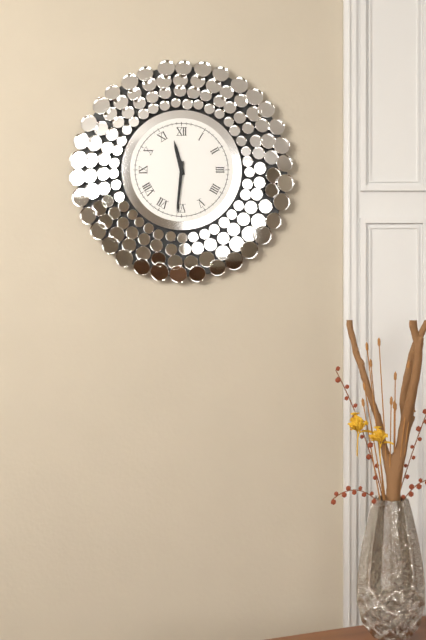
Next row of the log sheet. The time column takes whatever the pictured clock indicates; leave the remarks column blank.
11:31
